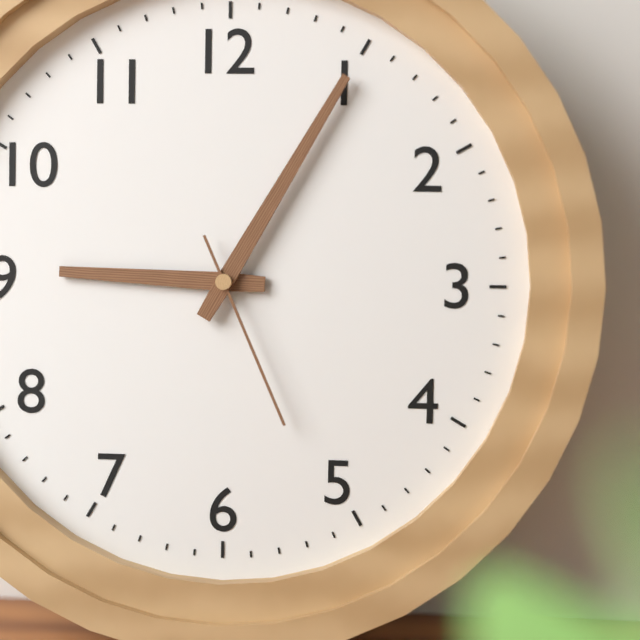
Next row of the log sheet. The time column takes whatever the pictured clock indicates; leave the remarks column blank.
9:05:26
